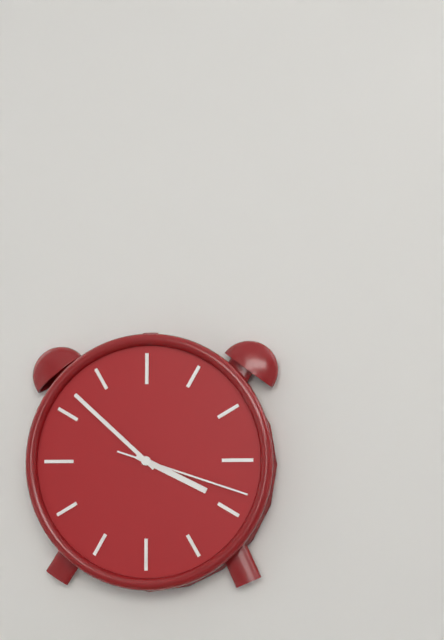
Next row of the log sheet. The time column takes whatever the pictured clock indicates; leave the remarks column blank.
3:52:18
